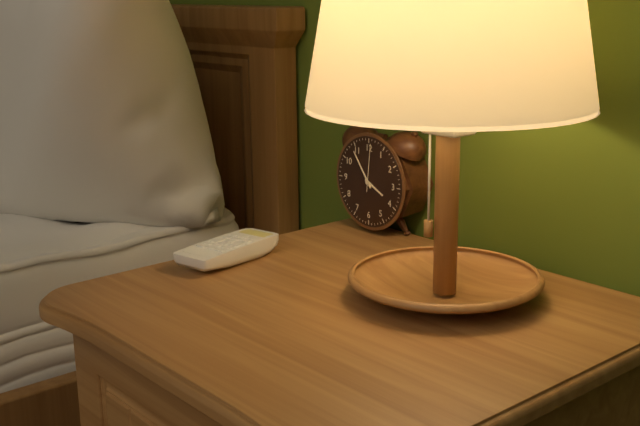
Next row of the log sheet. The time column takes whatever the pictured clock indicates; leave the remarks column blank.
3:54
